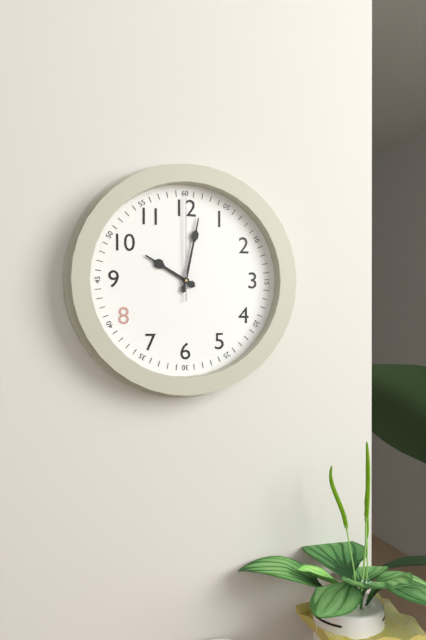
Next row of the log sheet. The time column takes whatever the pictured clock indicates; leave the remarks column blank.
10:02:00
